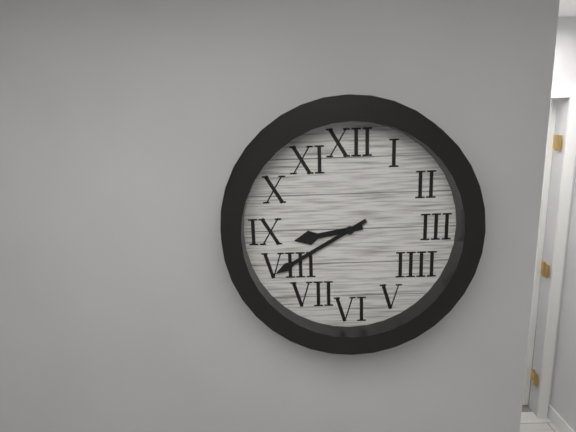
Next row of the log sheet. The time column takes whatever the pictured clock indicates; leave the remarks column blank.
8:40
